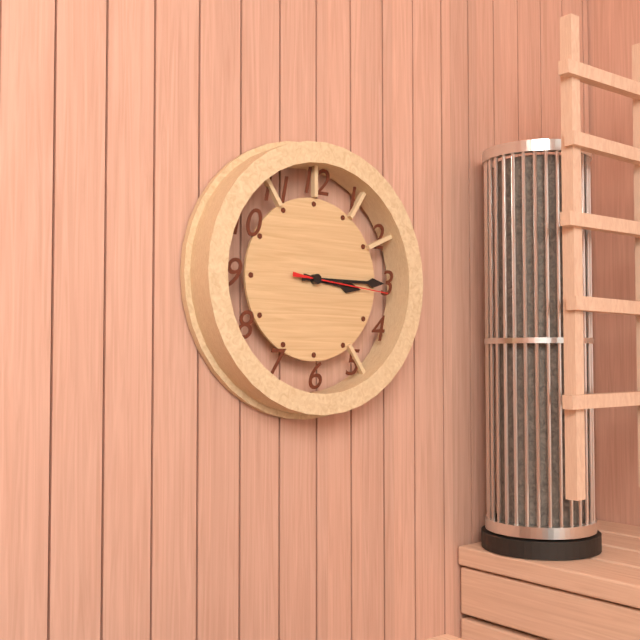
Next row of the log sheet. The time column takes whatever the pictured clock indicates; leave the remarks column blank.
3:15:16
